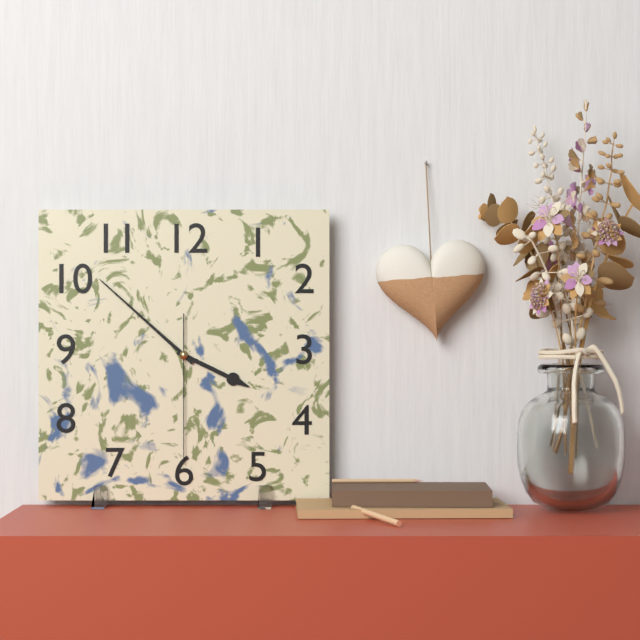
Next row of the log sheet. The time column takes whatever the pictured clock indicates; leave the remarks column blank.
3:52:30
